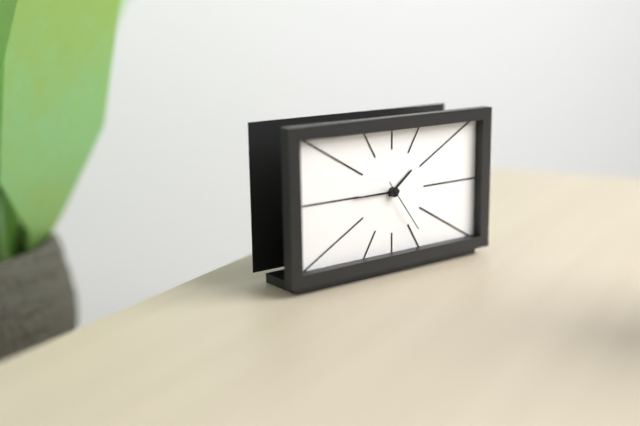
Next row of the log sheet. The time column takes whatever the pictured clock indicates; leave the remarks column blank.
1:45:24
